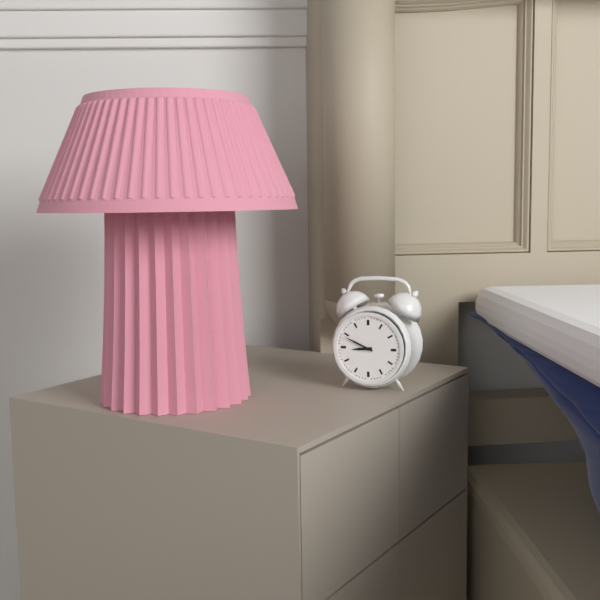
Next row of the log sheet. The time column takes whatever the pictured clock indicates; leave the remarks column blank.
8:49
